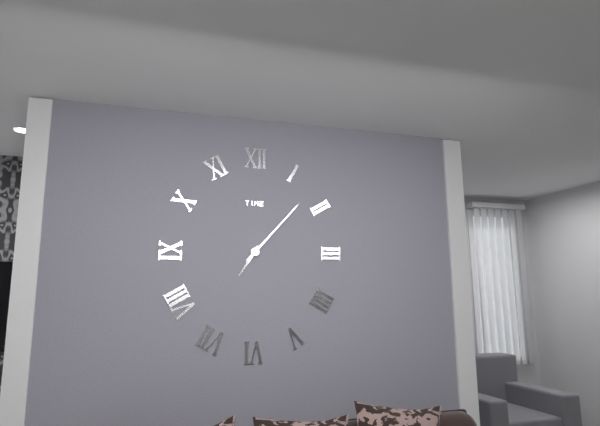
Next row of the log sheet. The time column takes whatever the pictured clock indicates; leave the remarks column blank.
7:07
